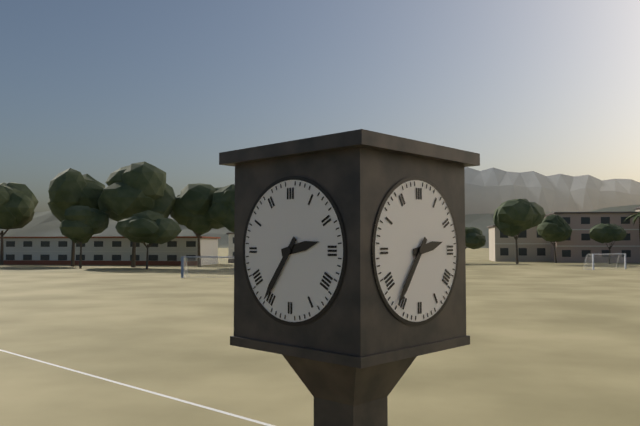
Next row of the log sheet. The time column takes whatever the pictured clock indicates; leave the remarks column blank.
2:36
